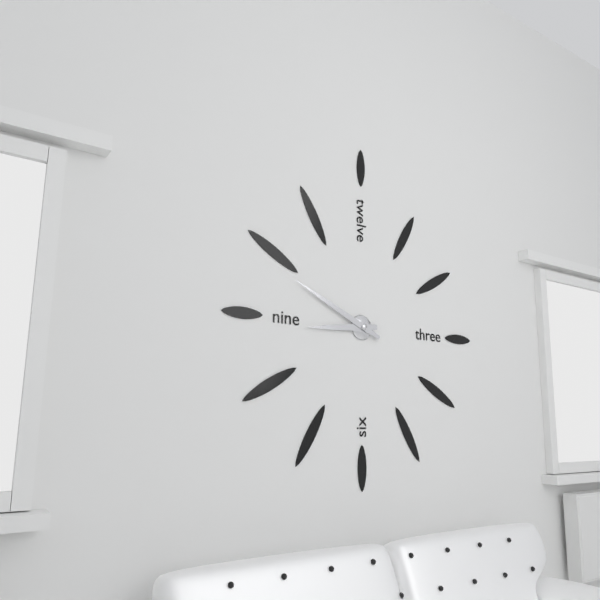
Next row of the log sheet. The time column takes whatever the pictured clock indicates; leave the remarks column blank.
8:49
